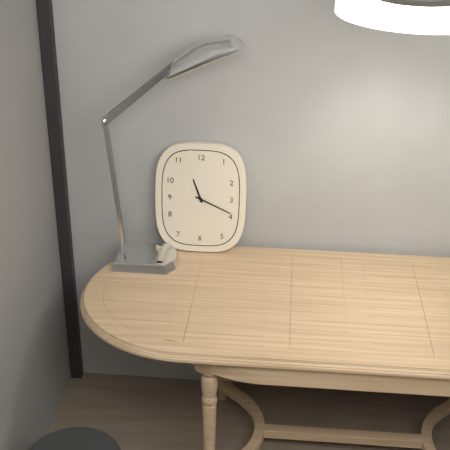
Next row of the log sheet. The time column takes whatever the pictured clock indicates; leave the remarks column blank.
11:19
